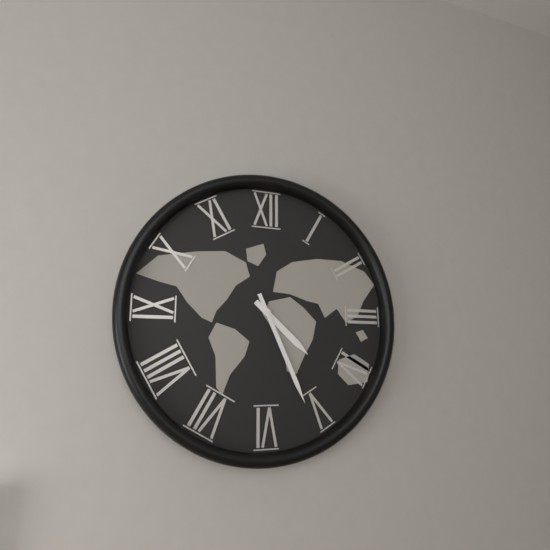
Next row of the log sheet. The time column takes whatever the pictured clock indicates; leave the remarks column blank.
4:26
